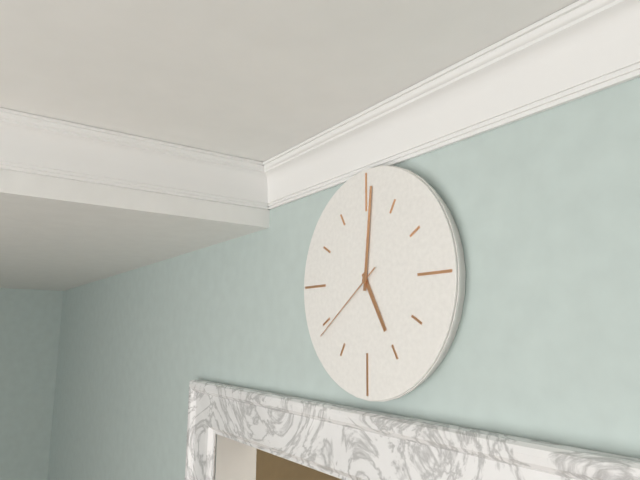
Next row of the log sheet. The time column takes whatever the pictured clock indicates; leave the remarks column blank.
5:01:39
